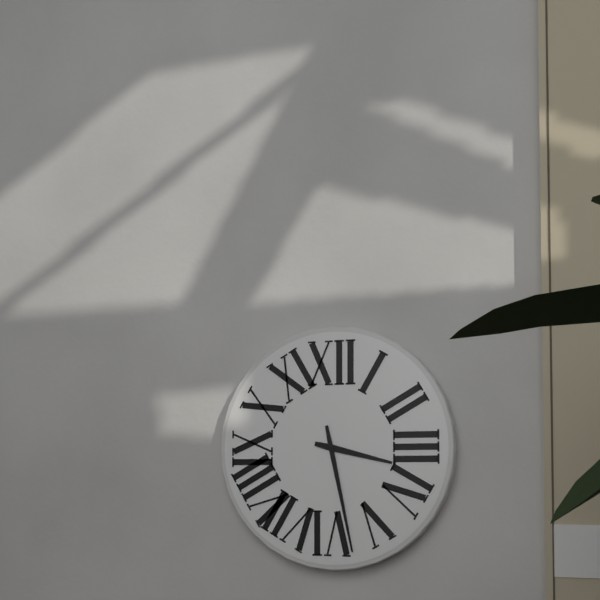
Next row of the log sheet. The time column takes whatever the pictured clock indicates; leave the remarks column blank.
3:28
